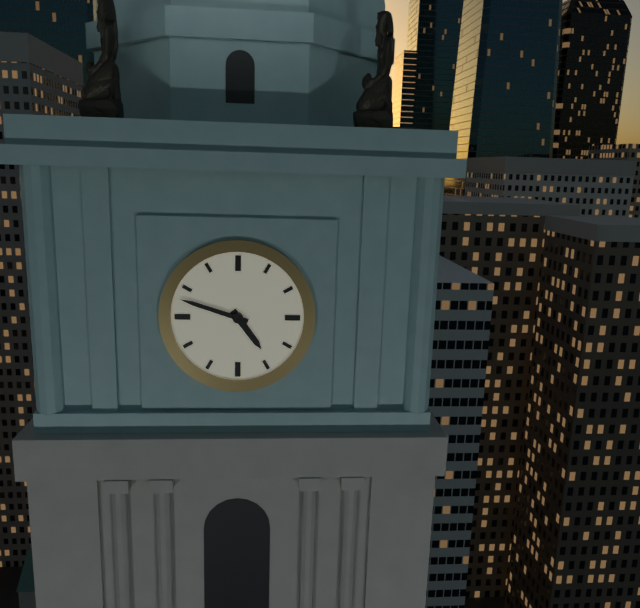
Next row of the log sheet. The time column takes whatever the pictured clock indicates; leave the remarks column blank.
4:48
